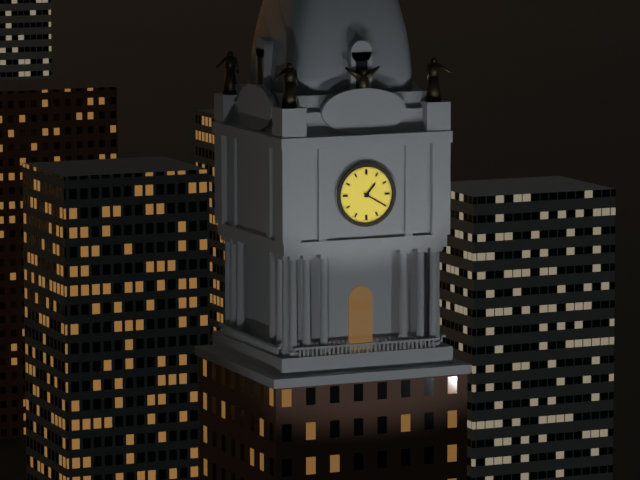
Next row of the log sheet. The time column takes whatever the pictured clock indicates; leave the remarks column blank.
1:20
